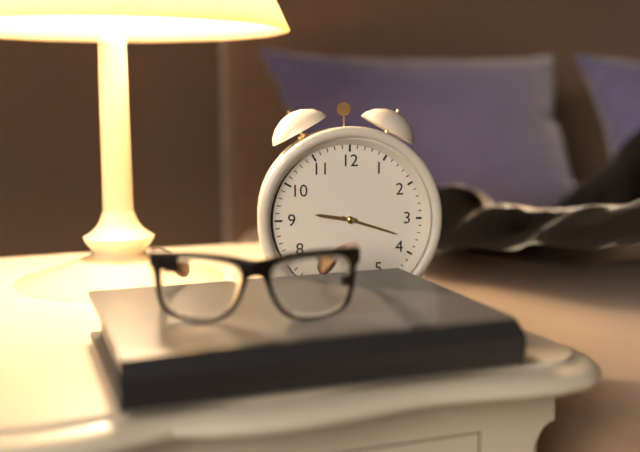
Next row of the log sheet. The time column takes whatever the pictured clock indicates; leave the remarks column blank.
9:18
